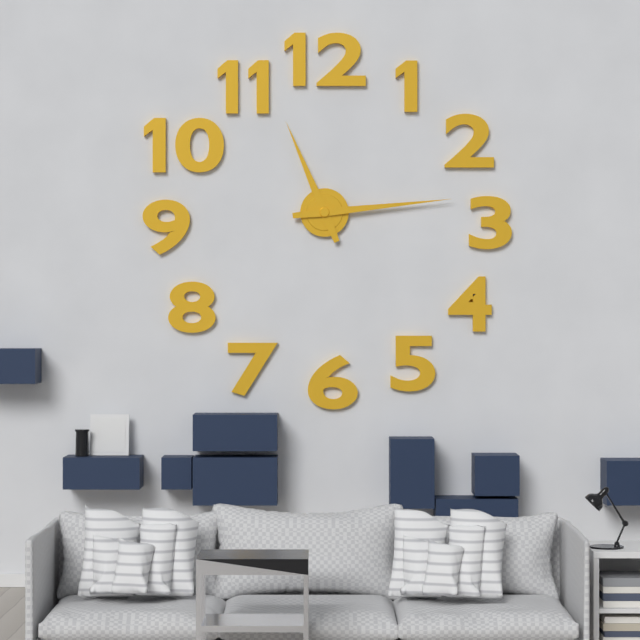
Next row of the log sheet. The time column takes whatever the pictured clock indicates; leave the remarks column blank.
11:14
